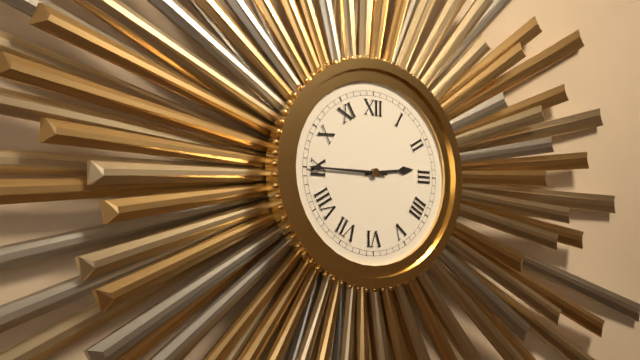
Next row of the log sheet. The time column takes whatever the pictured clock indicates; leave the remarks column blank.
2:45
